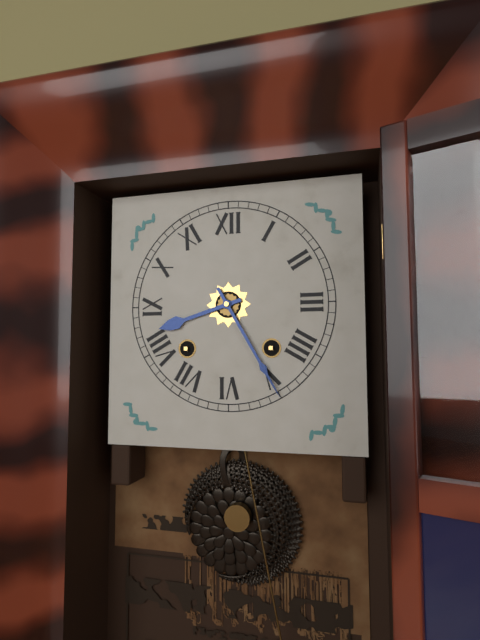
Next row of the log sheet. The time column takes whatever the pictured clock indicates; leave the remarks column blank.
8:25
